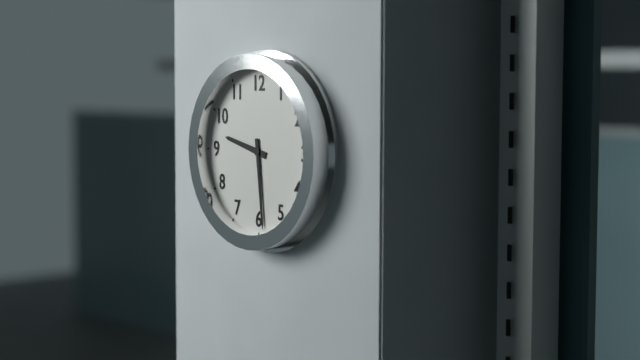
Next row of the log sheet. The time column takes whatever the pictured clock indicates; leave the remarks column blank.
9:29
